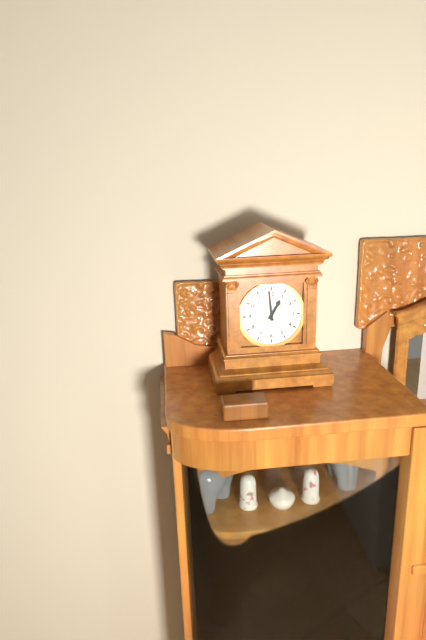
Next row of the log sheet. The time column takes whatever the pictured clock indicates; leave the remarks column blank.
12:59
